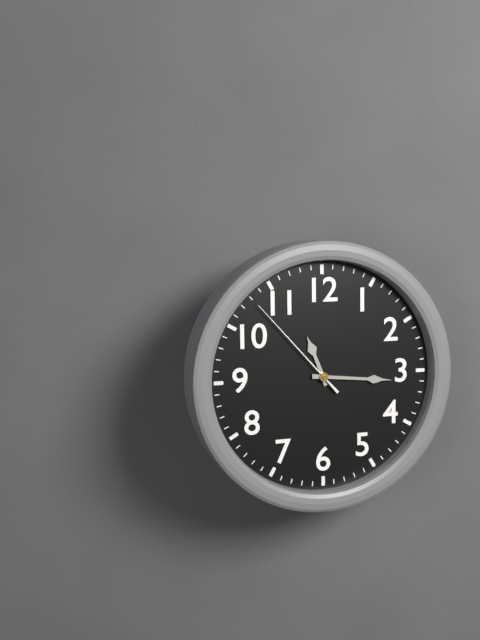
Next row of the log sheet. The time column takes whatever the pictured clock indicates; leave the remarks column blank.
11:16:53
